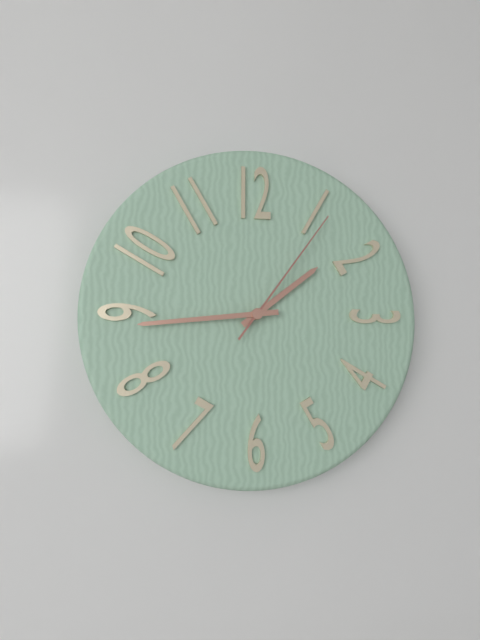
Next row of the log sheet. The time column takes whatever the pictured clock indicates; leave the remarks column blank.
1:44:06
